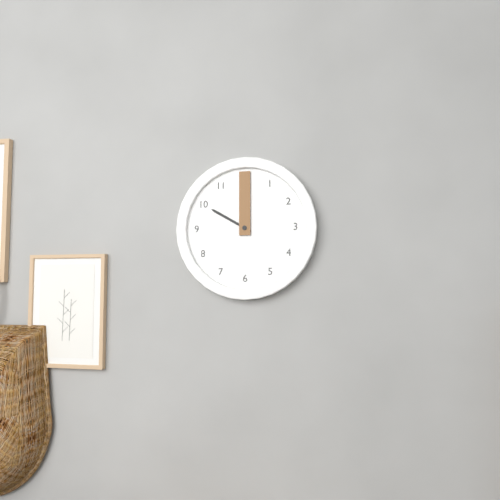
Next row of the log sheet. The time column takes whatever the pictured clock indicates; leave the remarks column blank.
10:00
